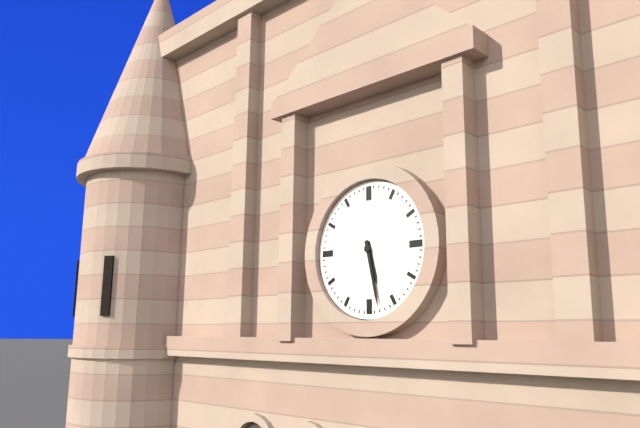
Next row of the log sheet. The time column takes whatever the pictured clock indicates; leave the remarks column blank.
5:28
